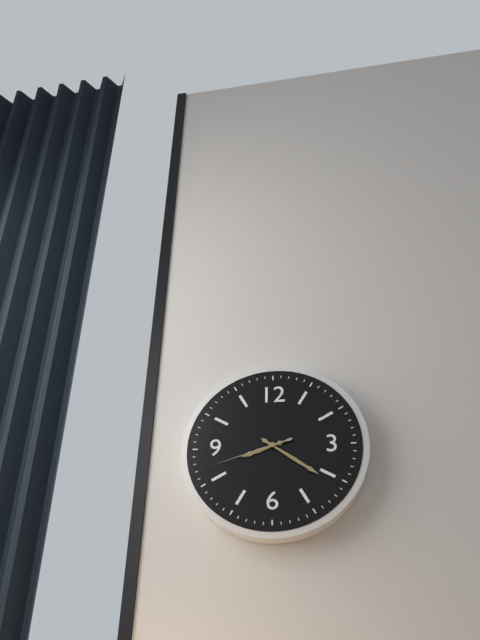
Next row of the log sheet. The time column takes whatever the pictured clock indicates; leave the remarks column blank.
8:21:42
